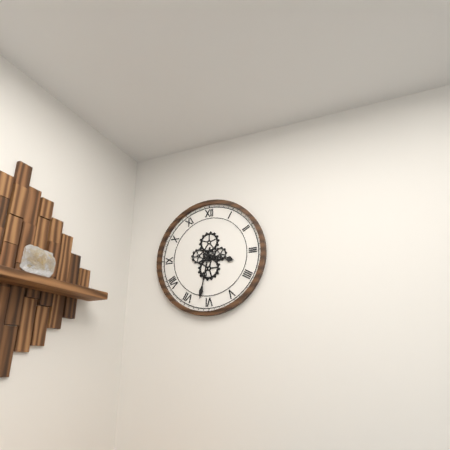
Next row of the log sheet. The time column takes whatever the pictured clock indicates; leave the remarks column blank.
3:32
